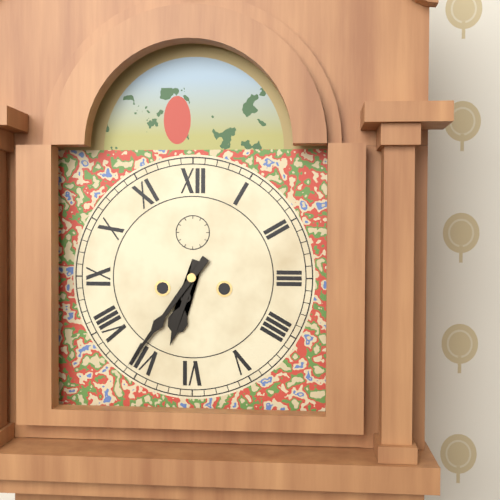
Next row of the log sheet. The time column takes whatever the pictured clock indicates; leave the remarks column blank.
6:36
